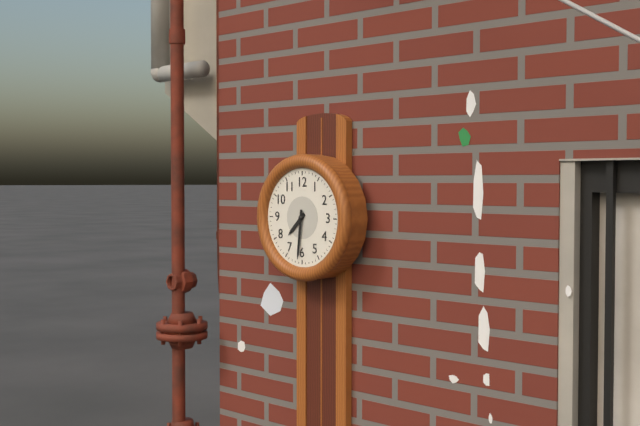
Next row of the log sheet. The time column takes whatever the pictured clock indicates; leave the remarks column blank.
7:31
